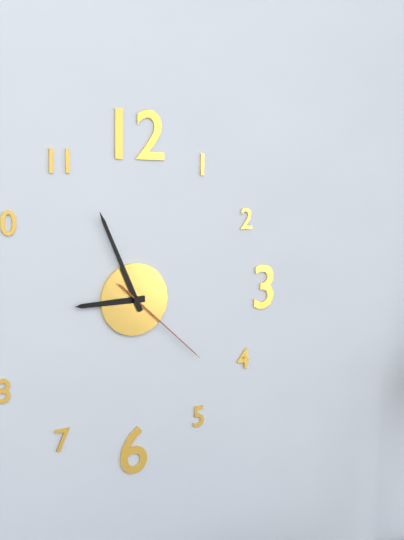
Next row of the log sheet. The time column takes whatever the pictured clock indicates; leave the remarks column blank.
8:56:22
